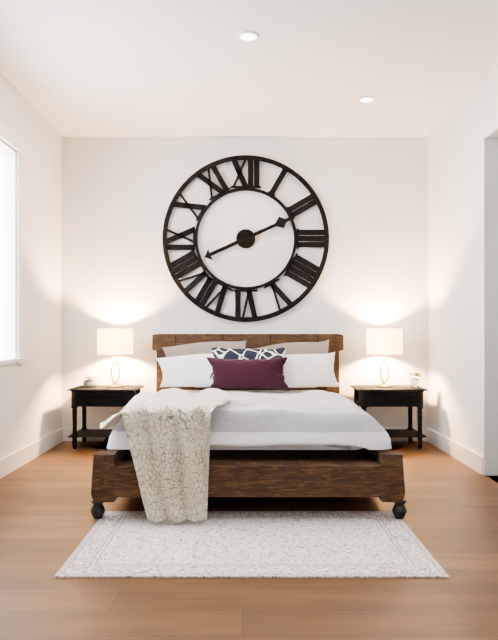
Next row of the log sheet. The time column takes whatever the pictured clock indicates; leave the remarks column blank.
8:11
